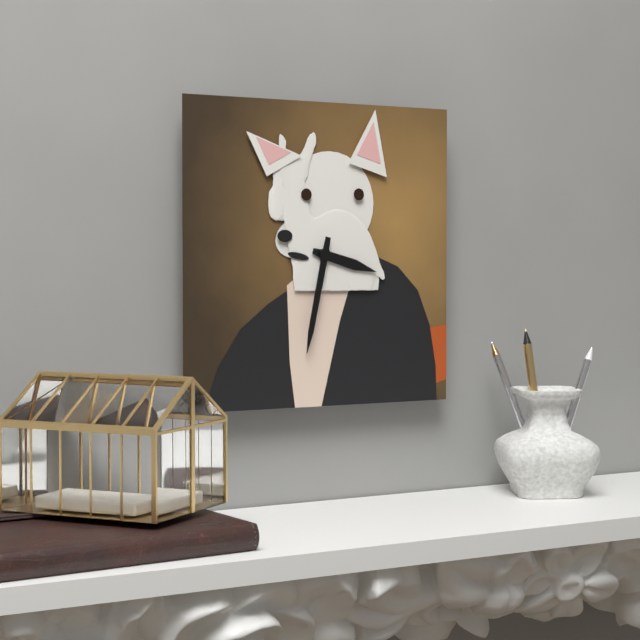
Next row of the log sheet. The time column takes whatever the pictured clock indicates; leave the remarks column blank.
3:32
